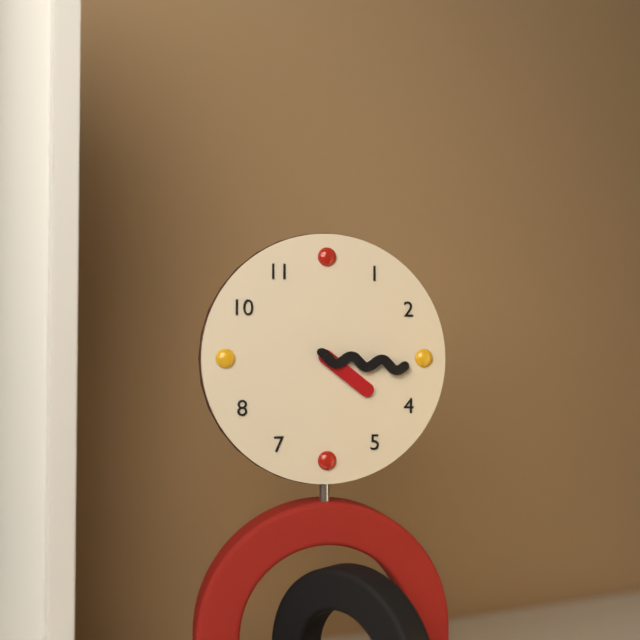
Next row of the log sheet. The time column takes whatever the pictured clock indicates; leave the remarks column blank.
4:16
